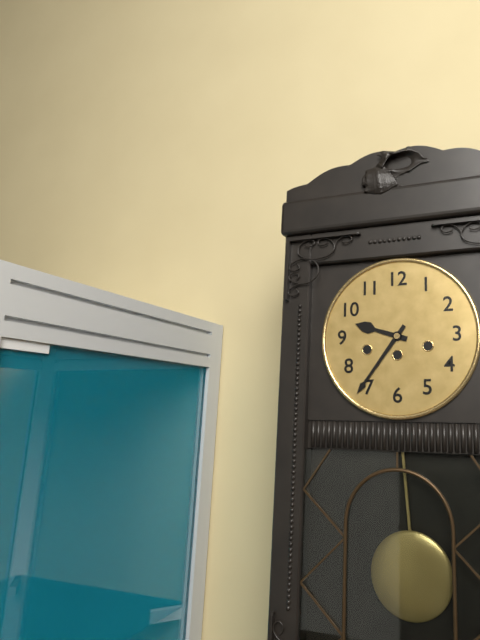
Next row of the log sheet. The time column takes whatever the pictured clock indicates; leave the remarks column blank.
9:36
